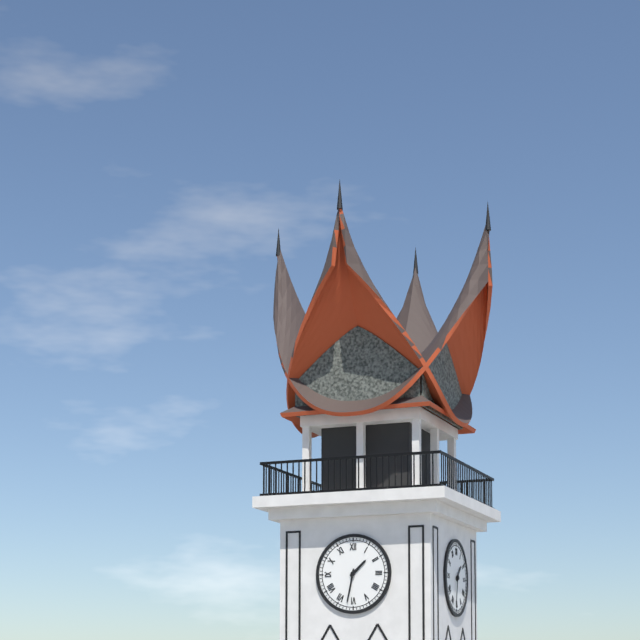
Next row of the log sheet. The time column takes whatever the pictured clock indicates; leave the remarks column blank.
1:32
